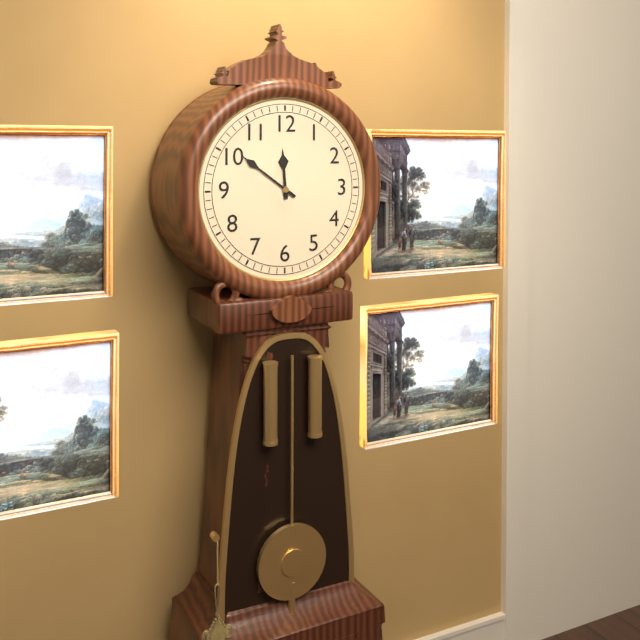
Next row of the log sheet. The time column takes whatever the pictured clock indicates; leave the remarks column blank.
11:51
